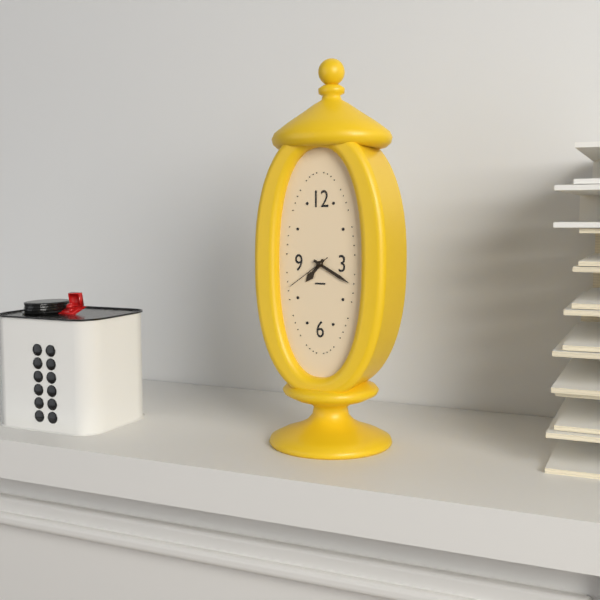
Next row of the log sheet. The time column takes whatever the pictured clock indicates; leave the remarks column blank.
7:20
